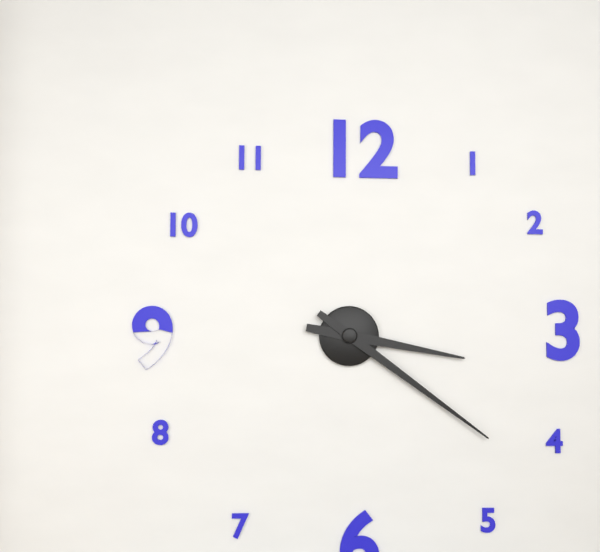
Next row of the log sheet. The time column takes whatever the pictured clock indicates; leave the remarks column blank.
3:21
